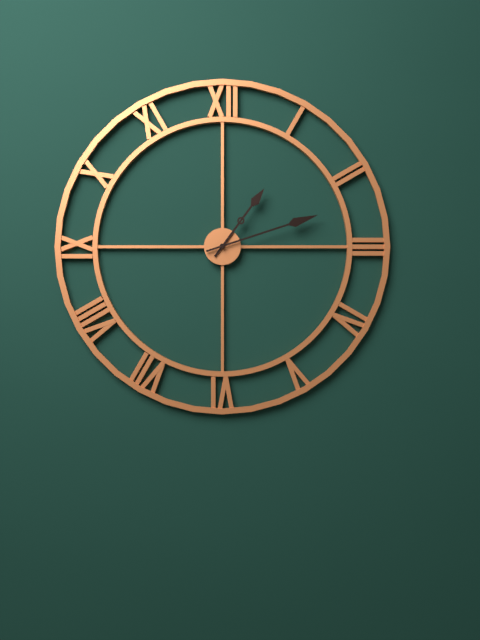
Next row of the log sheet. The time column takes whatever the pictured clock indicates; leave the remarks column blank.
1:12
